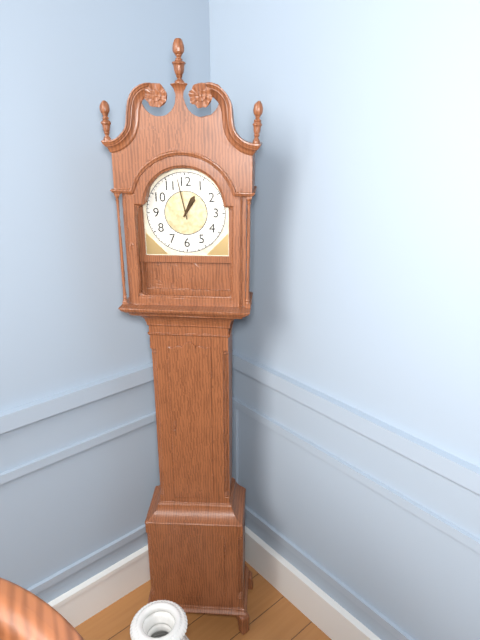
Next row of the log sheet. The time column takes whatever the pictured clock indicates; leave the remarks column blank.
12:58
